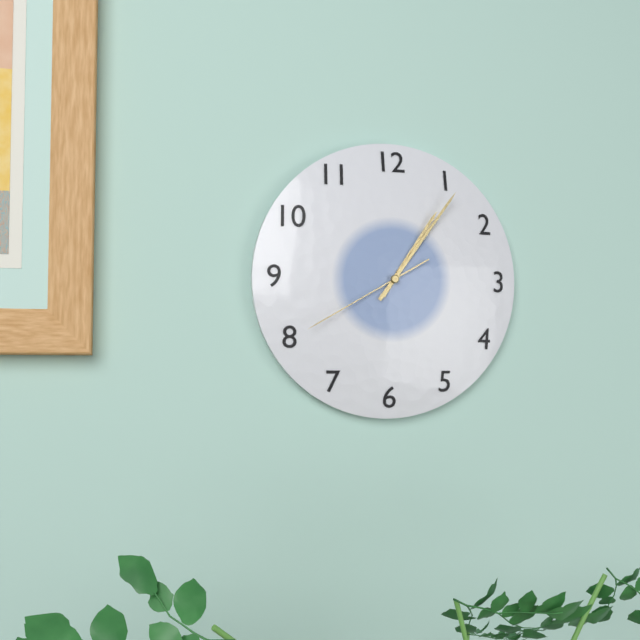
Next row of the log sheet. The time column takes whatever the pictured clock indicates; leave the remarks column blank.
1:06:40
